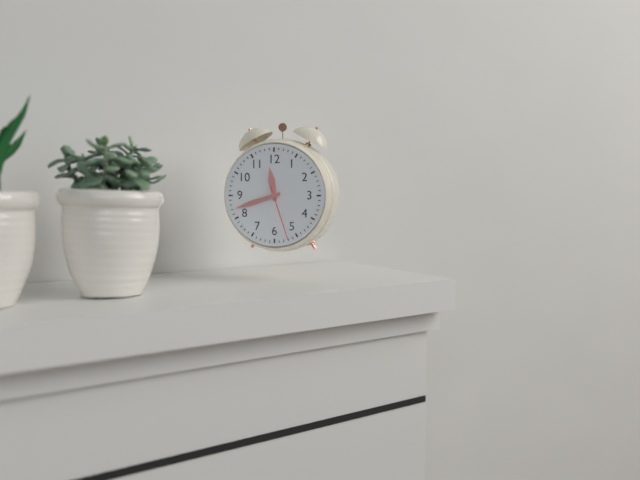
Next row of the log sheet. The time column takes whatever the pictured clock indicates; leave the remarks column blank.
11:42:27
